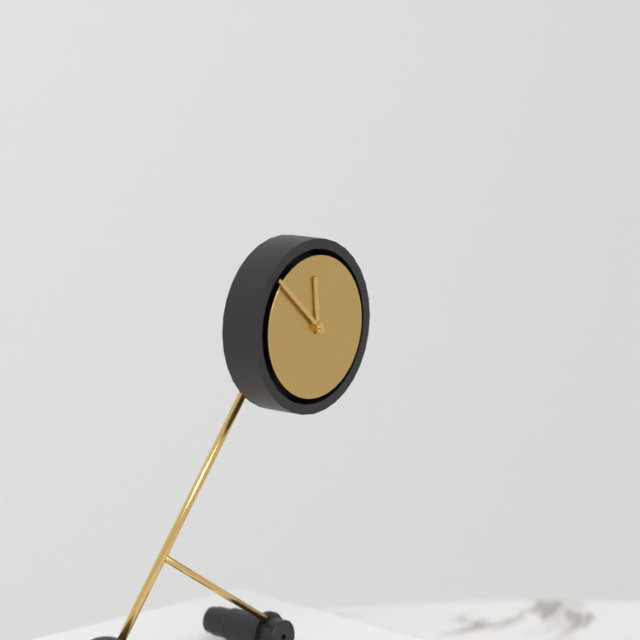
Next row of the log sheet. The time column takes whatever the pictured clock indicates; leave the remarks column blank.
11:52
